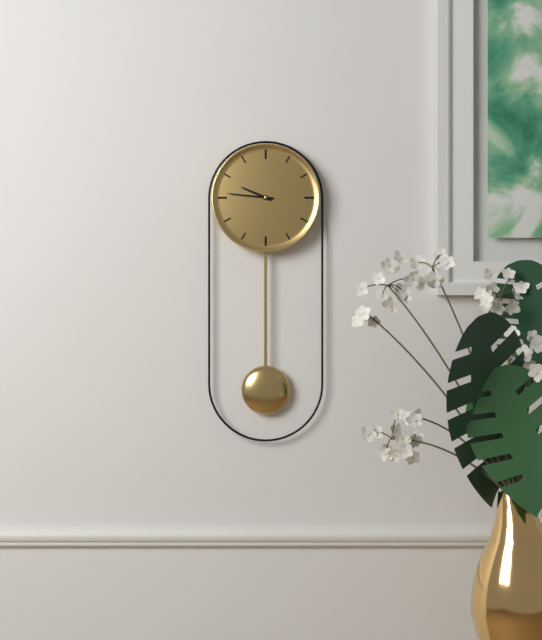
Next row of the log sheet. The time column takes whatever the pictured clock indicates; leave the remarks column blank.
9:46
